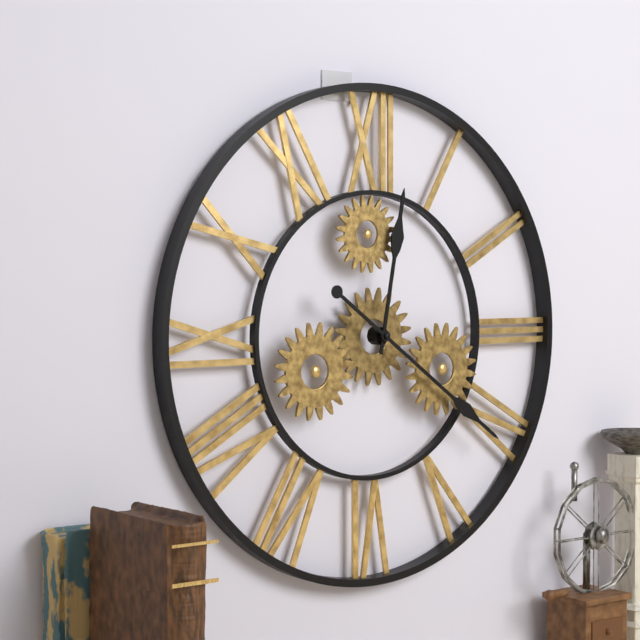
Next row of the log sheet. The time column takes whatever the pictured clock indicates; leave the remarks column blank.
12:21
